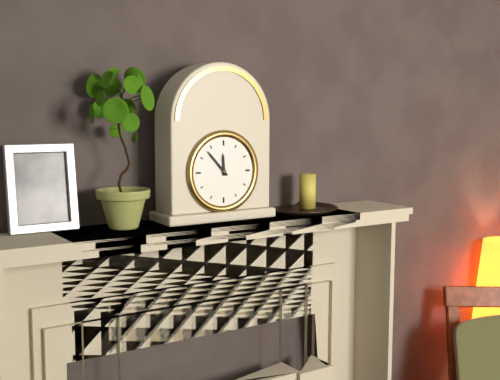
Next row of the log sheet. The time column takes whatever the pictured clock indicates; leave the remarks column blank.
11:53
